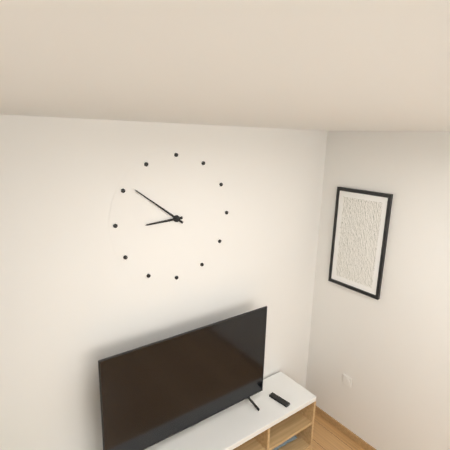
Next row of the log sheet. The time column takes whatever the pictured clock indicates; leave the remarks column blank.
8:51
